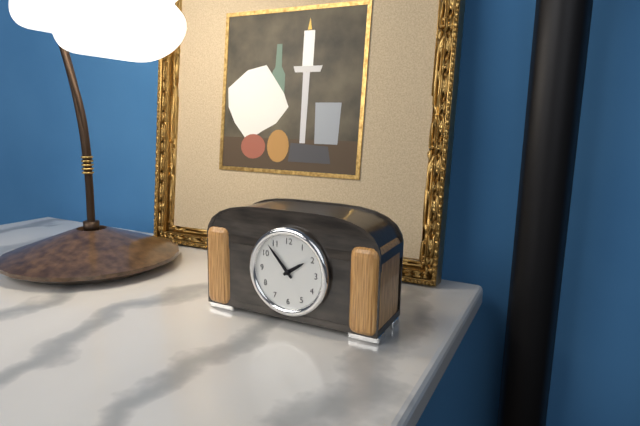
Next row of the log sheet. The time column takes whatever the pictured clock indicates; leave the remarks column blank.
1:53
